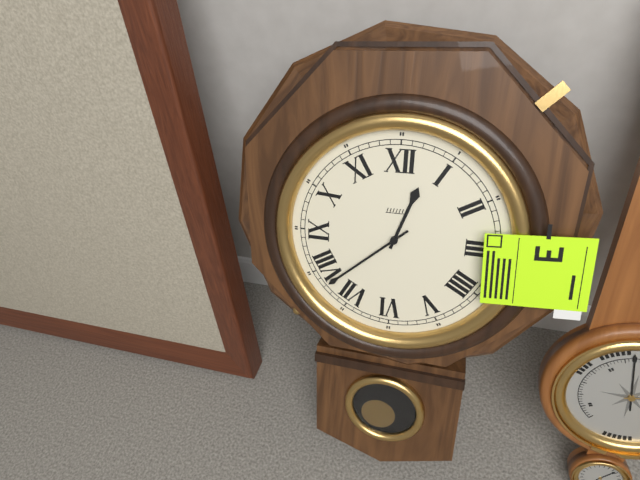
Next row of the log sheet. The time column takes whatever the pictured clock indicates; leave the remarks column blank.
12:38
